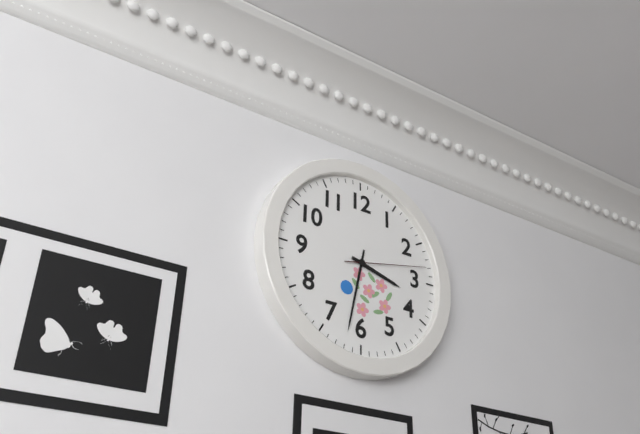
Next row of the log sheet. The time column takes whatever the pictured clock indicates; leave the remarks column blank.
3:32:13
